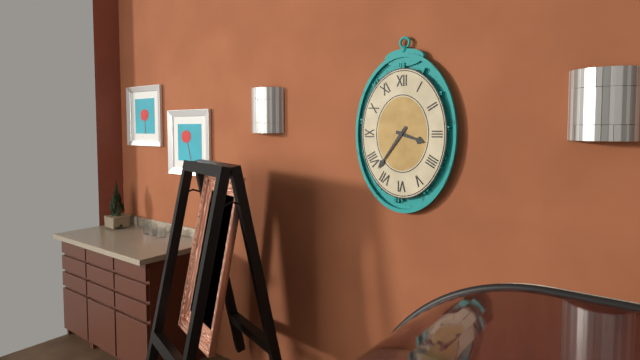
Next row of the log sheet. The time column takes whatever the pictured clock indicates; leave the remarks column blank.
3:36
